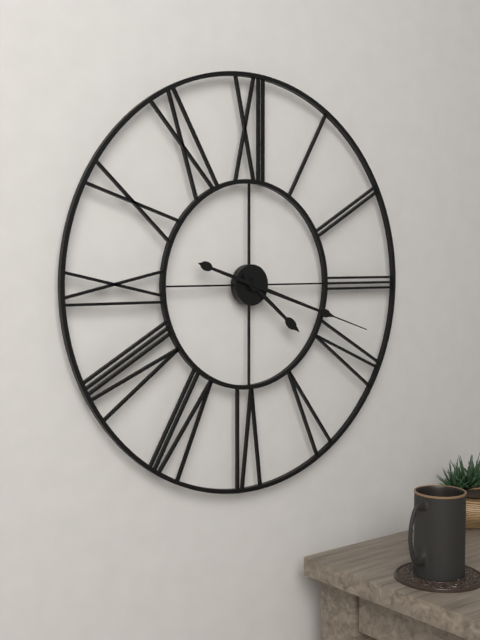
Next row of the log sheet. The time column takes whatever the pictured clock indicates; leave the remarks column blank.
4:18
